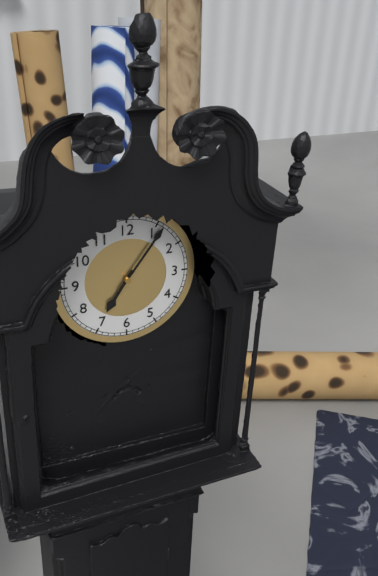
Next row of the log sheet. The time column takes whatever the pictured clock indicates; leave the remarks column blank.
7:06
